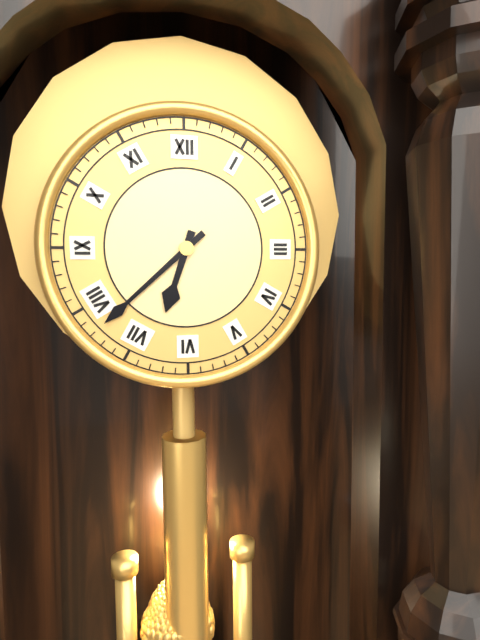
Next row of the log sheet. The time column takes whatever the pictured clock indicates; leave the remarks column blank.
6:38
